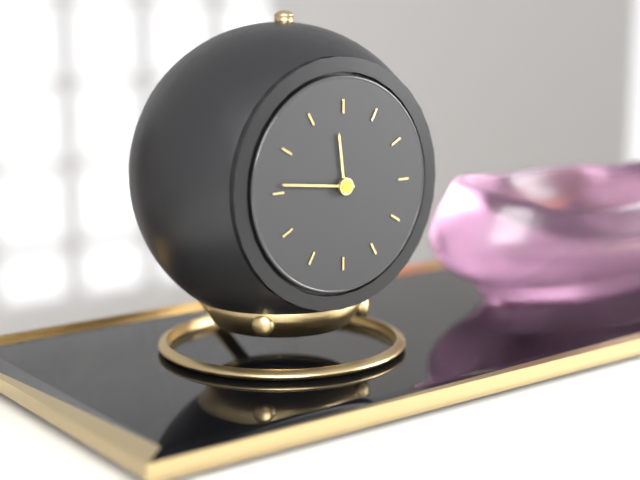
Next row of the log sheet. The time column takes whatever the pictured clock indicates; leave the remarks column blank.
11:46
